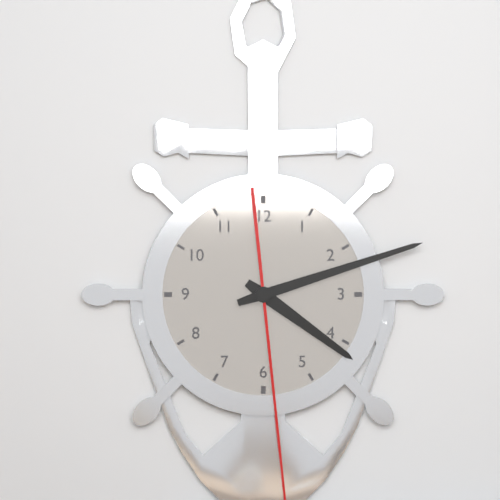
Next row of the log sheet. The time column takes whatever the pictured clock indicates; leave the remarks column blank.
4:12
